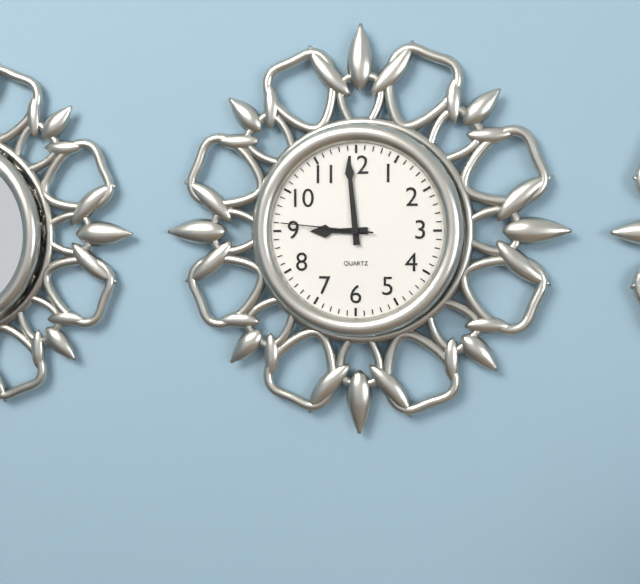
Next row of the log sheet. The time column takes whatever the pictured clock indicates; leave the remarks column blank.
8:59:46
